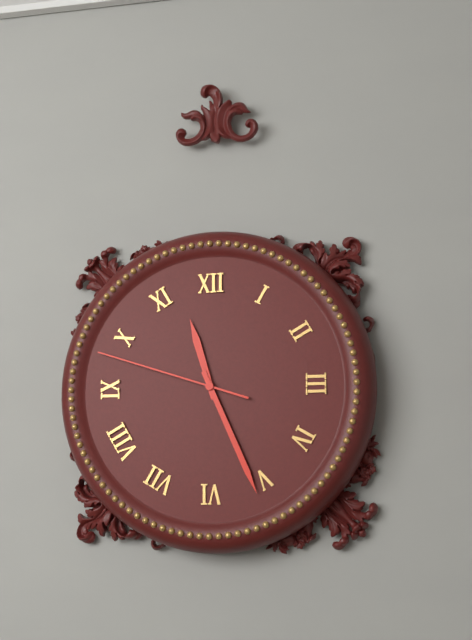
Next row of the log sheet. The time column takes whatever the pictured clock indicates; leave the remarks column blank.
11:26:48
